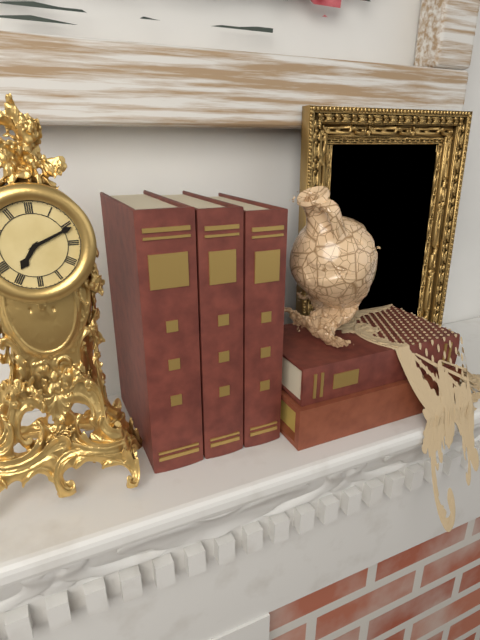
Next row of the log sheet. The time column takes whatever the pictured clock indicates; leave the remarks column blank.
7:11
